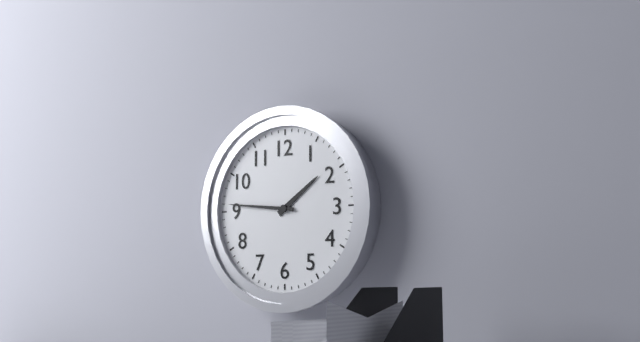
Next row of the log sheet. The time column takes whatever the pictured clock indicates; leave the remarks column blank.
1:46
